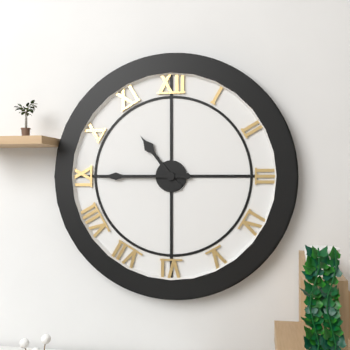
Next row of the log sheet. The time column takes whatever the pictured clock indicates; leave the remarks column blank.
10:45
